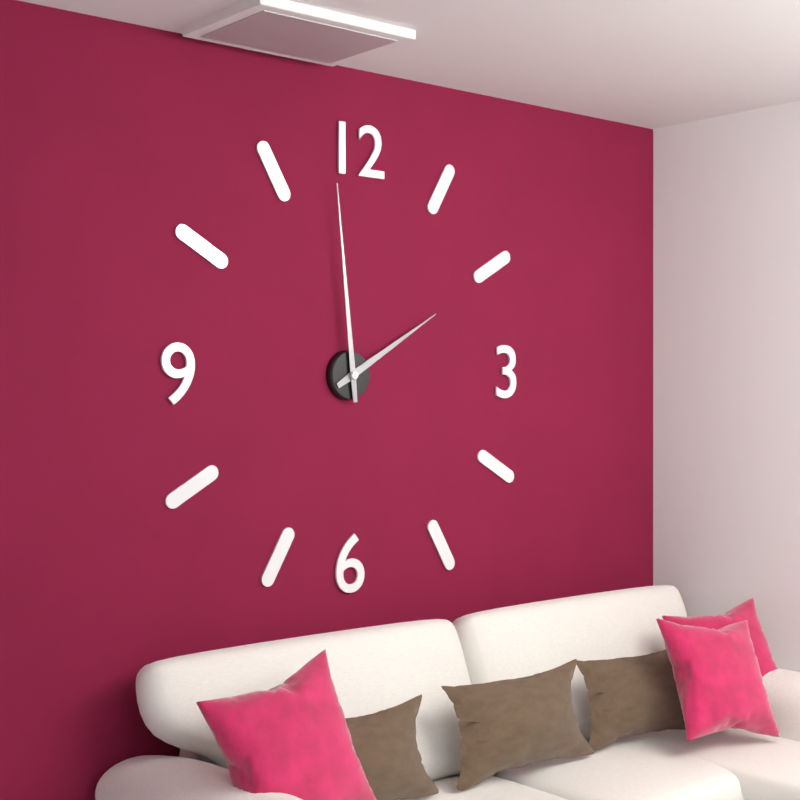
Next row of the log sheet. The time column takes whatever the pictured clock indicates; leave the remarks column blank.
1:59
